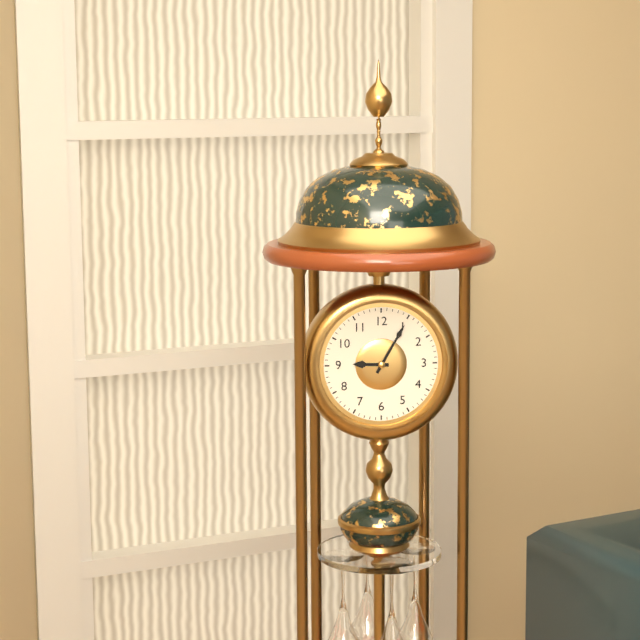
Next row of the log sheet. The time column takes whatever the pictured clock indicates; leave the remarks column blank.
9:05
